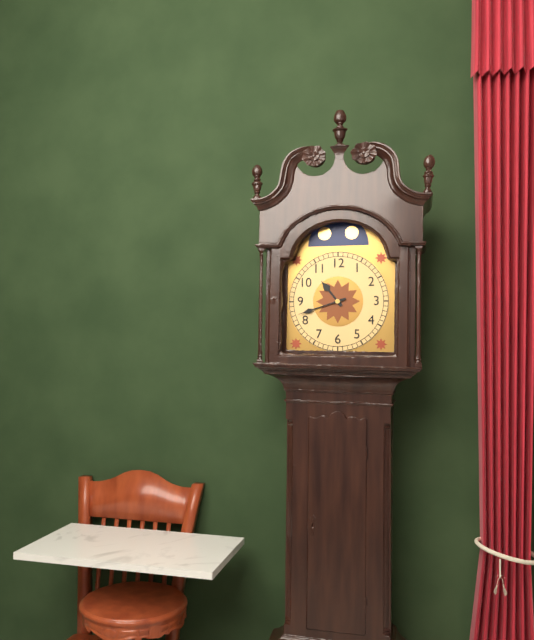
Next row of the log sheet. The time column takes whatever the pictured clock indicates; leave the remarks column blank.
10:42
